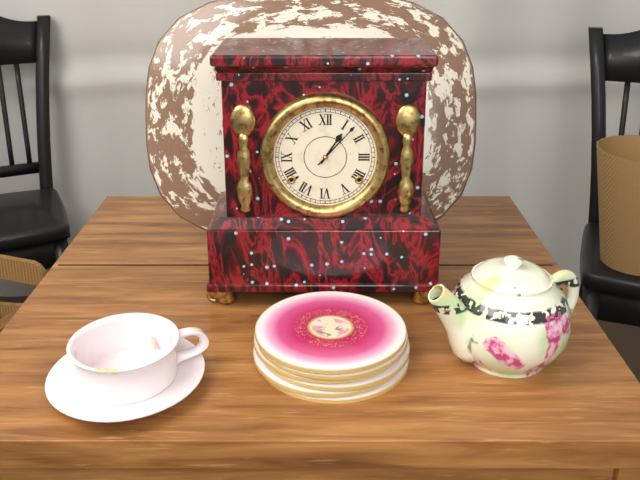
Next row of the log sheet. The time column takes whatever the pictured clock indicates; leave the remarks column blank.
1:07
